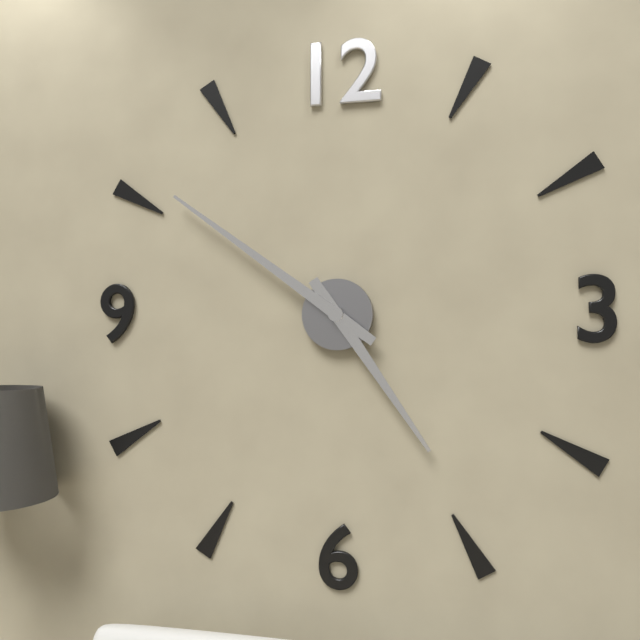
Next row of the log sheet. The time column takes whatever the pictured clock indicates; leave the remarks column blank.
4:51
